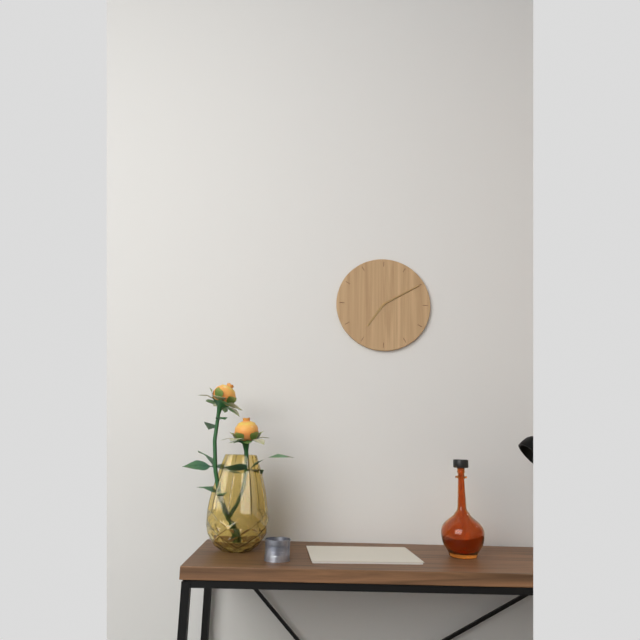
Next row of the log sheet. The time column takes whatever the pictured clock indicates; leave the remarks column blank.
7:10
